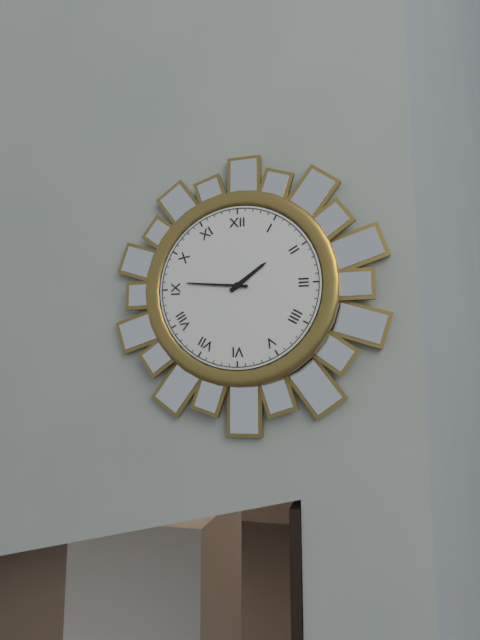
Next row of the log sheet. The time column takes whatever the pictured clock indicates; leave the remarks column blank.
1:46
